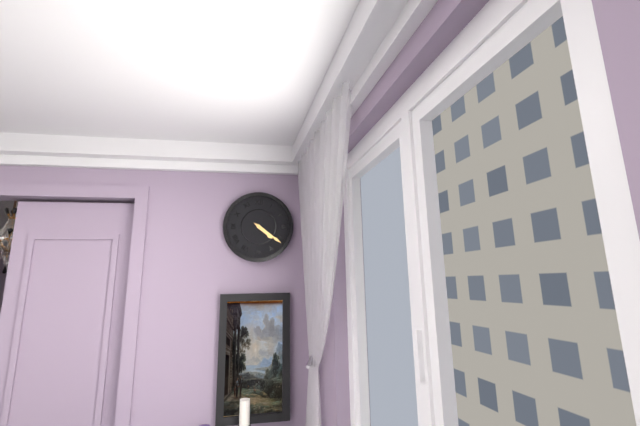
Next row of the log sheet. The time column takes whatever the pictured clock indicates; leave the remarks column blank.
4:21
